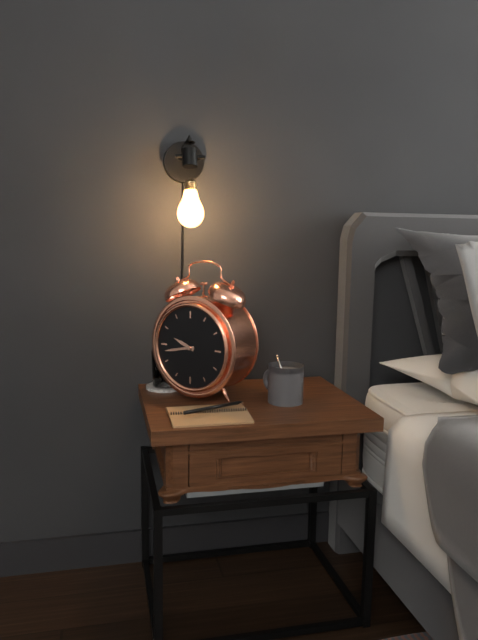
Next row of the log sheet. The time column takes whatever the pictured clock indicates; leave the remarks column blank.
9:43
